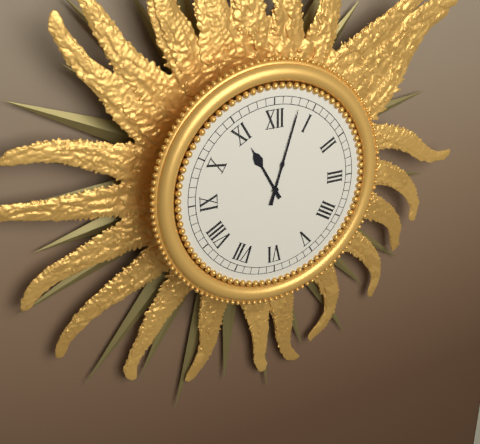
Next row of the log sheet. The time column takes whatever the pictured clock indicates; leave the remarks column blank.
11:03
